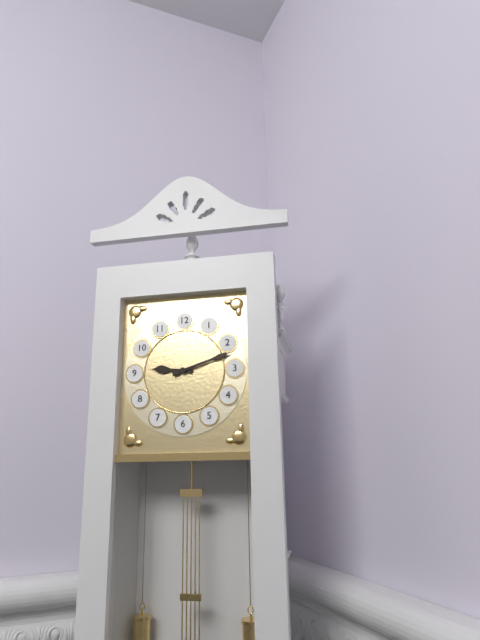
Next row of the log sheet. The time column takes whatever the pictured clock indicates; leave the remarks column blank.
9:12
